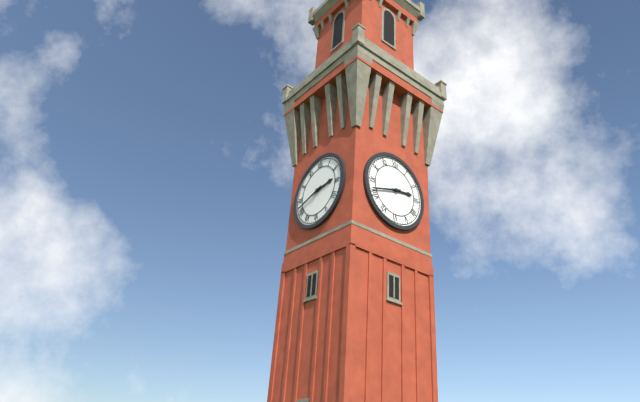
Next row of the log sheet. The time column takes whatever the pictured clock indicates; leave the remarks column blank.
2:42
